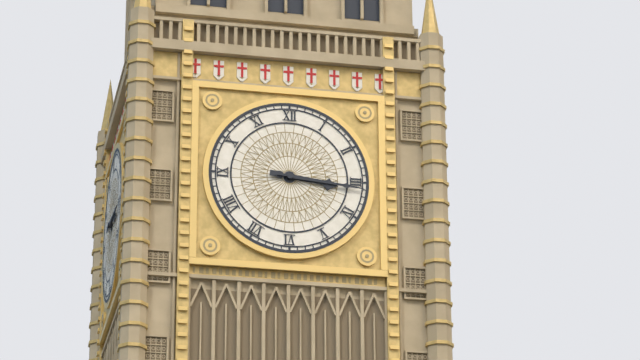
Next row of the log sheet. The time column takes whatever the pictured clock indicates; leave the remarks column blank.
3:16
